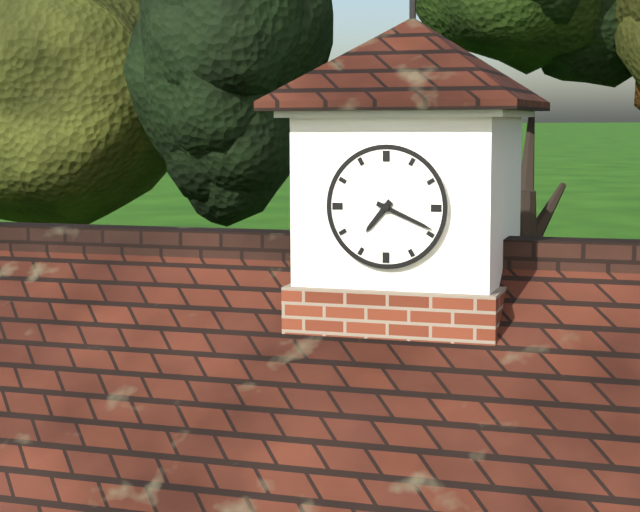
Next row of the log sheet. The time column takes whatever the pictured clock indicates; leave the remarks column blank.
7:19
